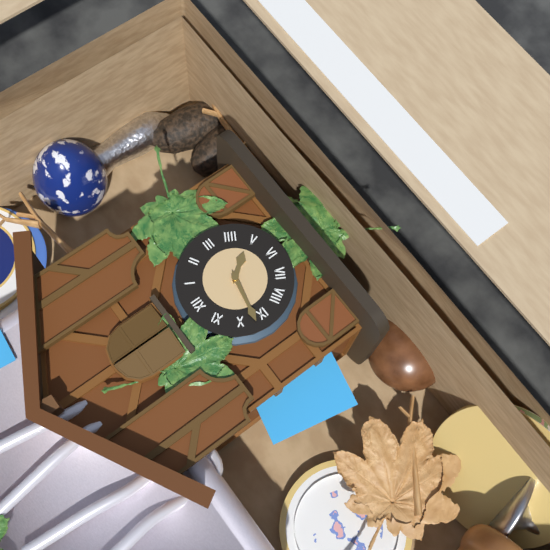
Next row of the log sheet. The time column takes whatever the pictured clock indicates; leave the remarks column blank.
4:47
